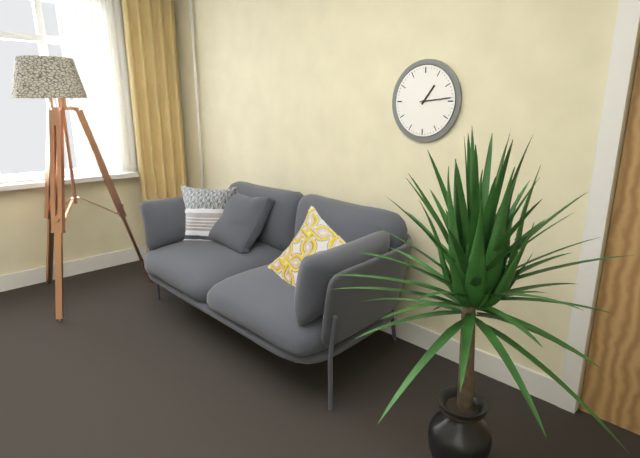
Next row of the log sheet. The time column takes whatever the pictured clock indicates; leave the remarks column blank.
1:14
